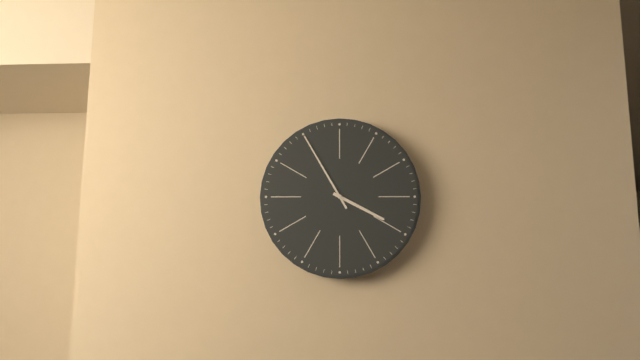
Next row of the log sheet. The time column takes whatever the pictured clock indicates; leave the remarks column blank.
3:55
